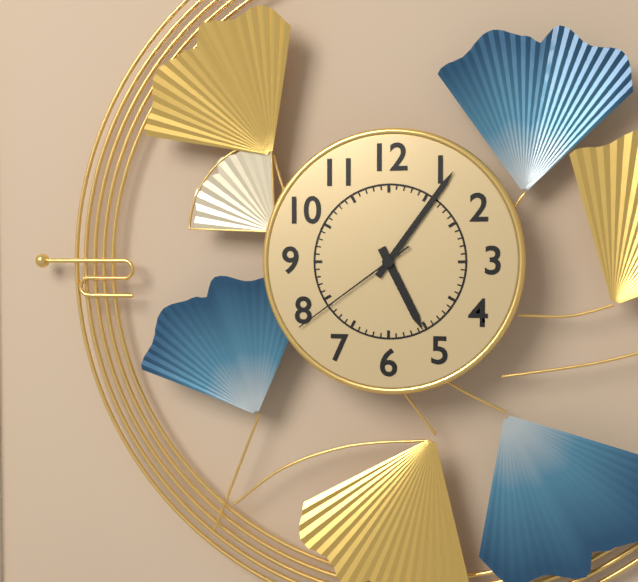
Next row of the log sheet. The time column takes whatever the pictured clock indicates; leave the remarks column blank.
5:06:39
